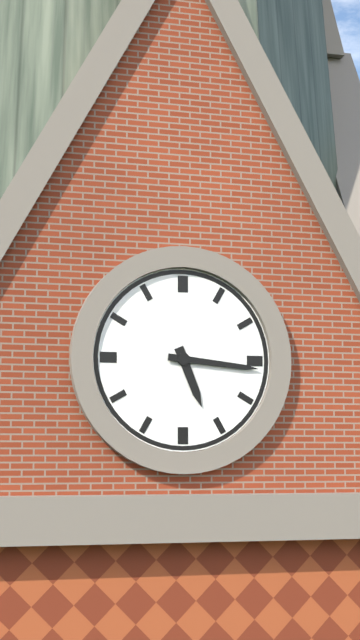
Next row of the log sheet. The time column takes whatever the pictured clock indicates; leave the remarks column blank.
5:16
